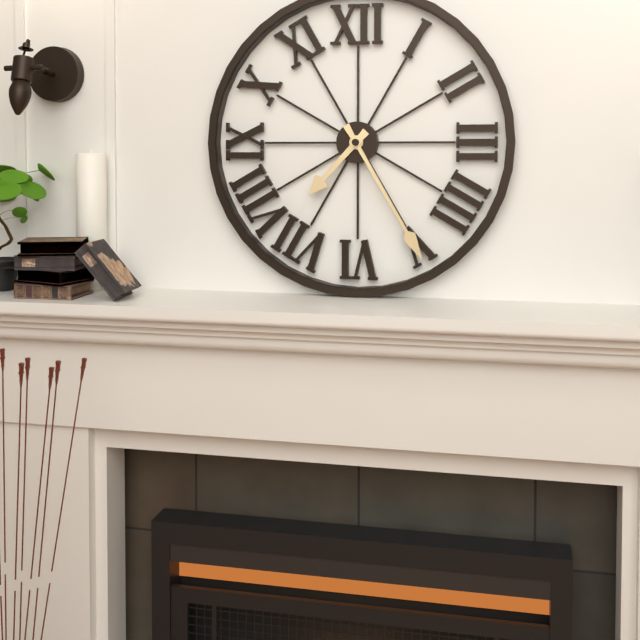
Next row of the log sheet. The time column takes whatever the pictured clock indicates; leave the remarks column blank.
7:25
